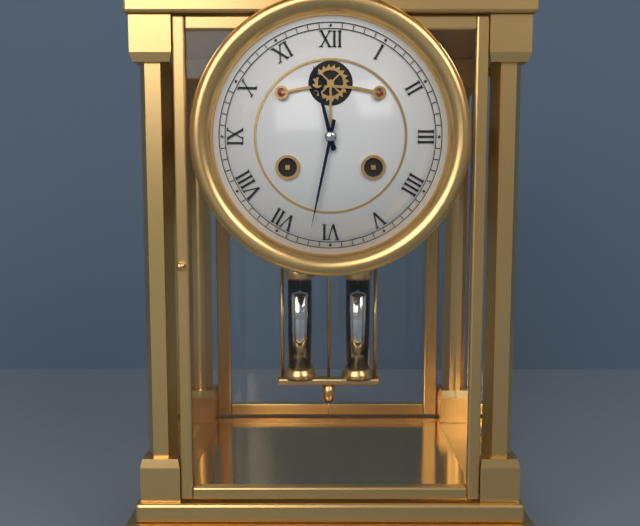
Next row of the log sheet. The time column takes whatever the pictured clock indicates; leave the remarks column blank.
11:32
